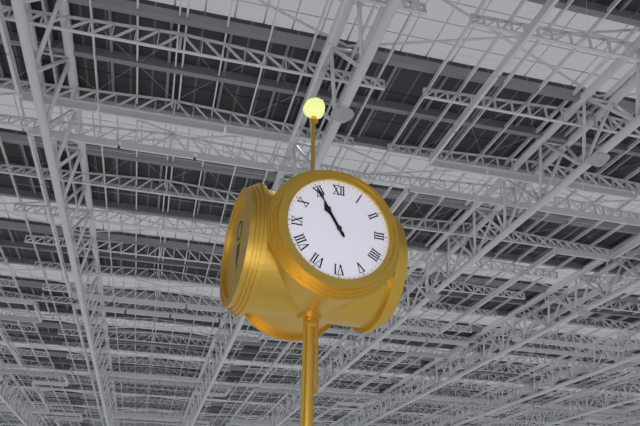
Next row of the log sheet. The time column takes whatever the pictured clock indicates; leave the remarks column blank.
10:55
